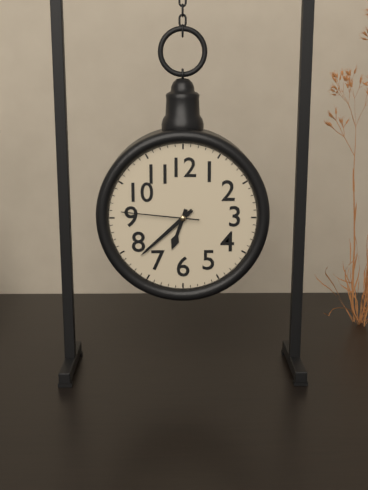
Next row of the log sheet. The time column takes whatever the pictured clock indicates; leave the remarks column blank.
6:38:46
